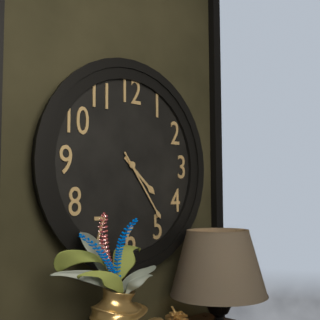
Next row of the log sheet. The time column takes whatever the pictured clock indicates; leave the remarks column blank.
4:24
